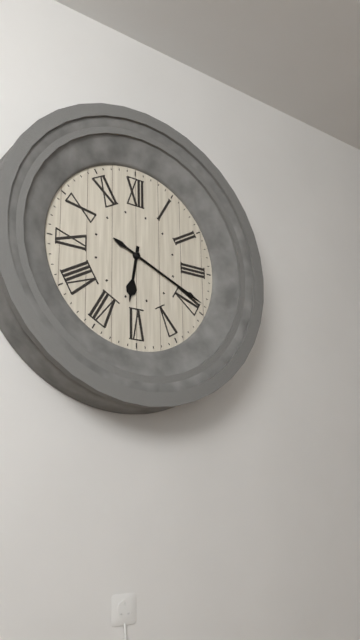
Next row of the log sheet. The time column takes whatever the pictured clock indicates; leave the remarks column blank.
6:19
